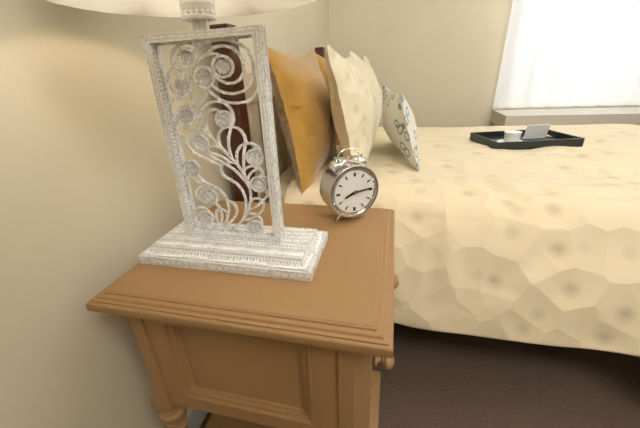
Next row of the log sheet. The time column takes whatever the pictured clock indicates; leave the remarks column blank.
8:14
